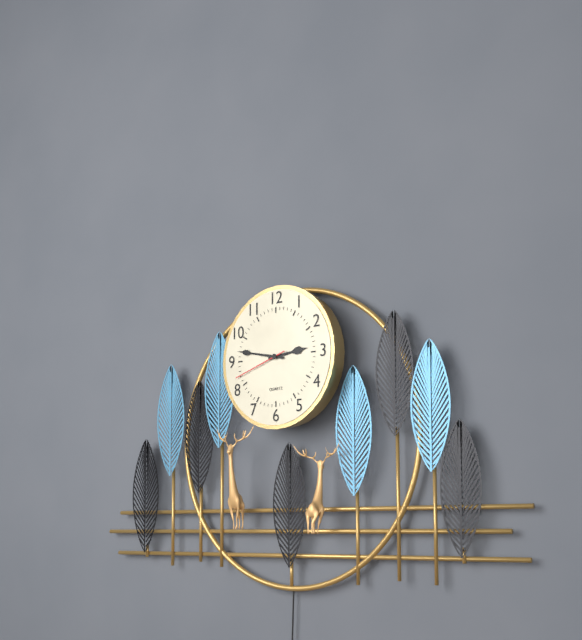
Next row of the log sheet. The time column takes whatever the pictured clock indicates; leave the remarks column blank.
2:47:42
